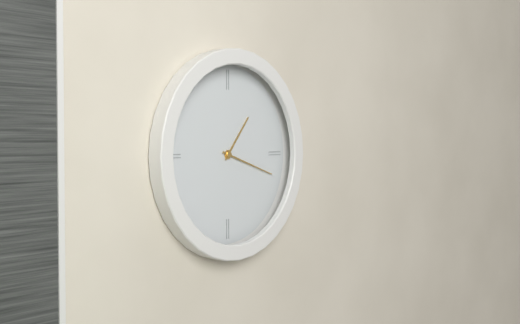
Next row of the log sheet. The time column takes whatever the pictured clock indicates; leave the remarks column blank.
1:18
